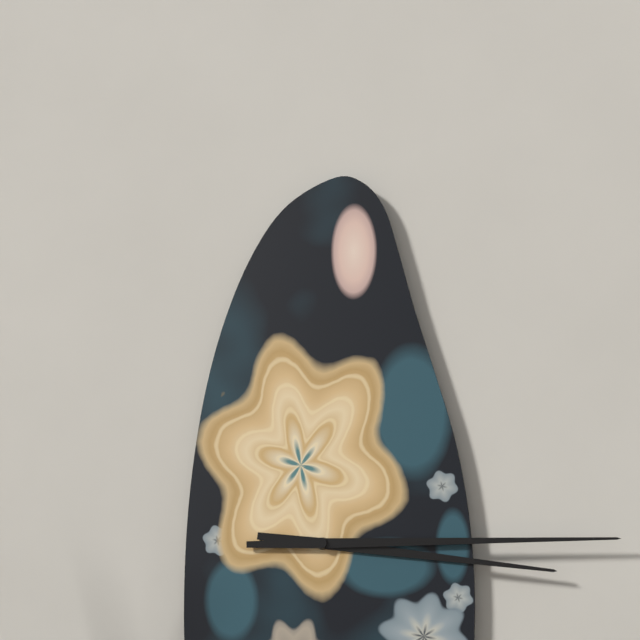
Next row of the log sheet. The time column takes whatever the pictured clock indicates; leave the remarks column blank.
3:15
